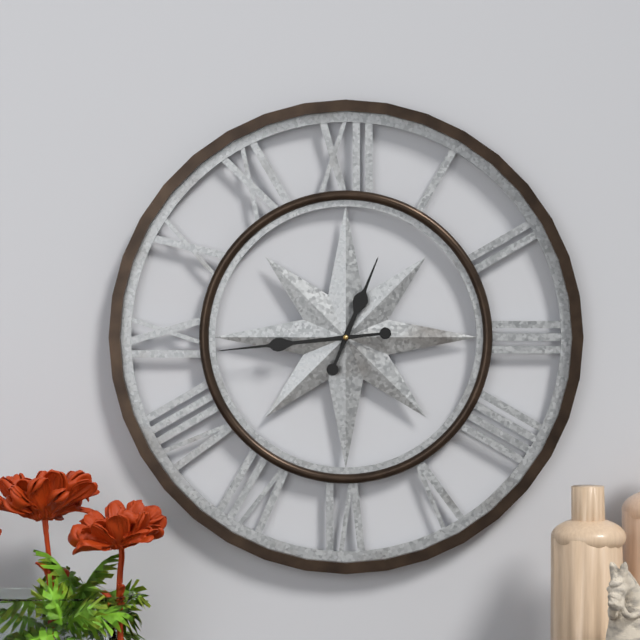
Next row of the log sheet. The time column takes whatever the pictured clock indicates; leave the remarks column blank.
12:44
